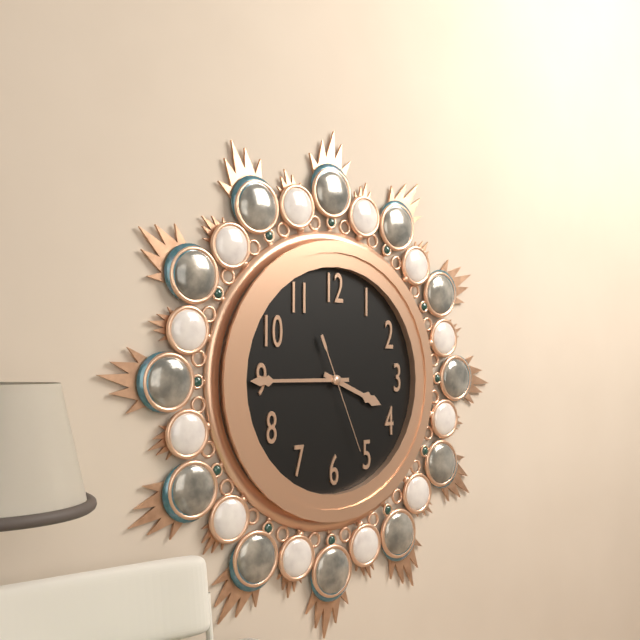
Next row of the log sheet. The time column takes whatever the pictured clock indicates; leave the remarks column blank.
3:45:26
